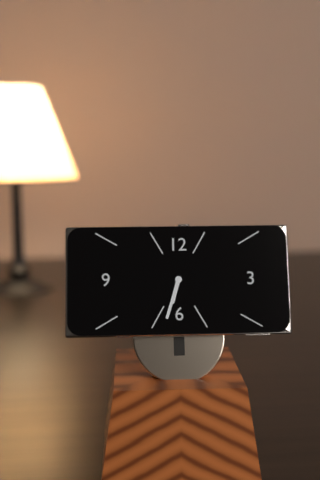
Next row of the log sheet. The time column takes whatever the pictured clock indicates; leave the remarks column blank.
6:33
